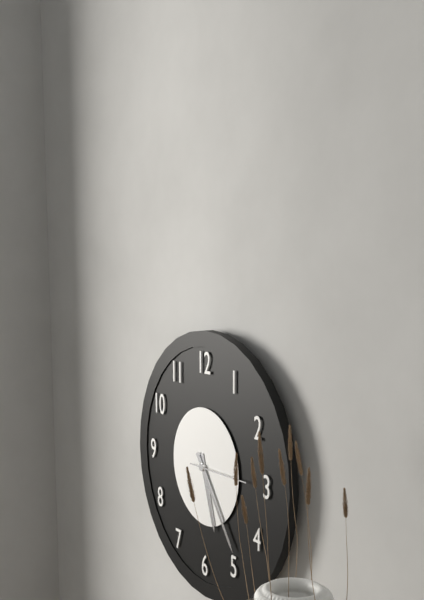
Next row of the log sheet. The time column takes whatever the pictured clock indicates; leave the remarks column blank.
5:24
